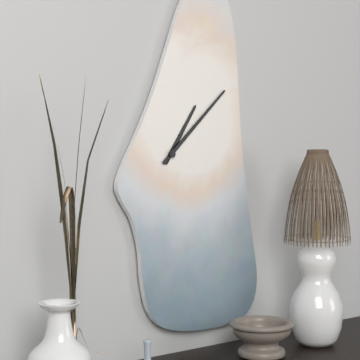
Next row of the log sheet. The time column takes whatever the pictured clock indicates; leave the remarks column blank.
1:08
